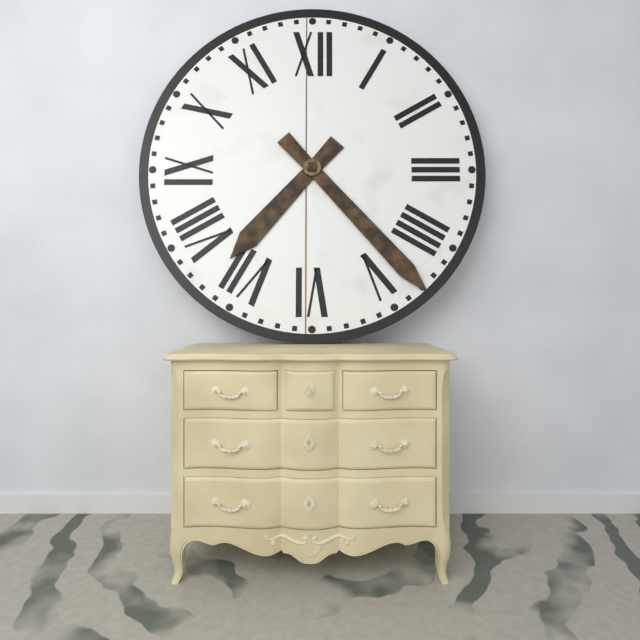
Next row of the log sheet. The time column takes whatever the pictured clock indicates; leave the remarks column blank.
7:23
